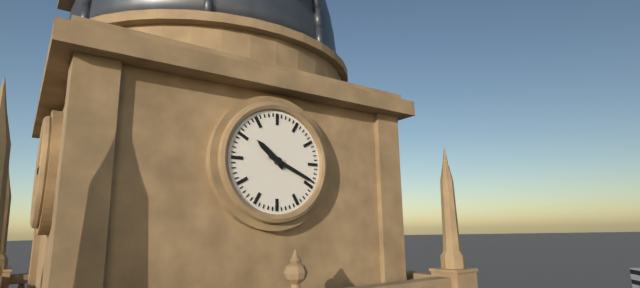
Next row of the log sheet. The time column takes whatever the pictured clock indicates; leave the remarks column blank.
10:19
